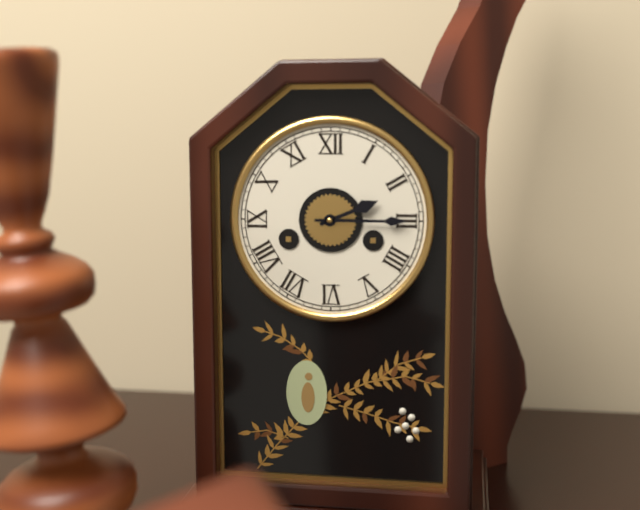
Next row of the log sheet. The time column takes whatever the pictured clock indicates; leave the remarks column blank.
2:15
